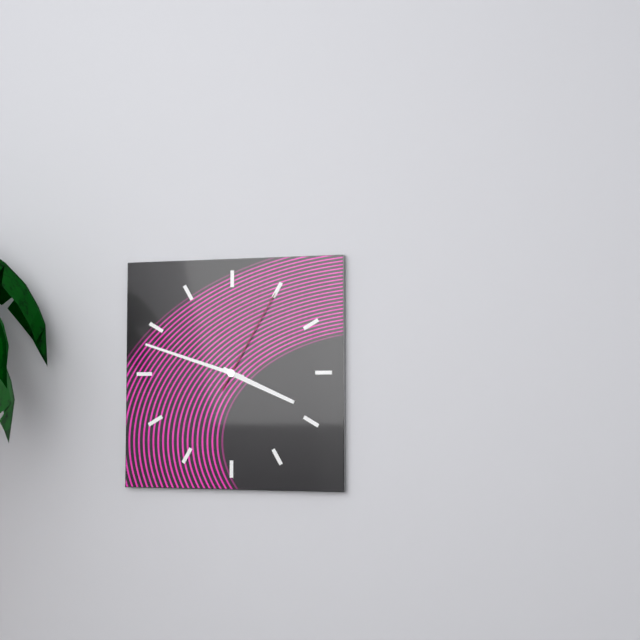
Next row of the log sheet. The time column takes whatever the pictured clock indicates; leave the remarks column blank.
3:48:05
